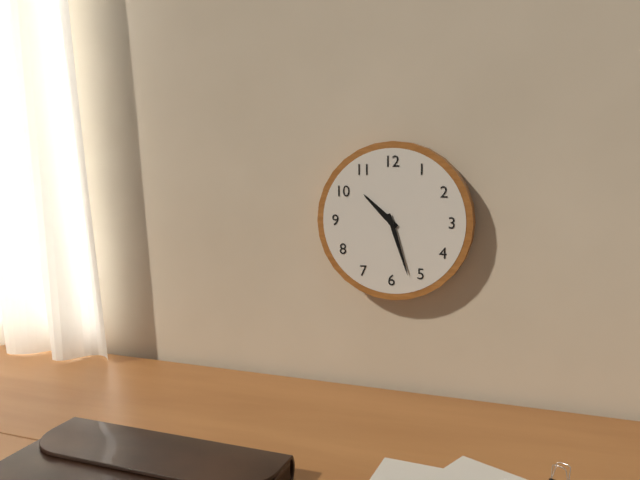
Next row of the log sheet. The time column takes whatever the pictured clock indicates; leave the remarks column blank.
10:27
